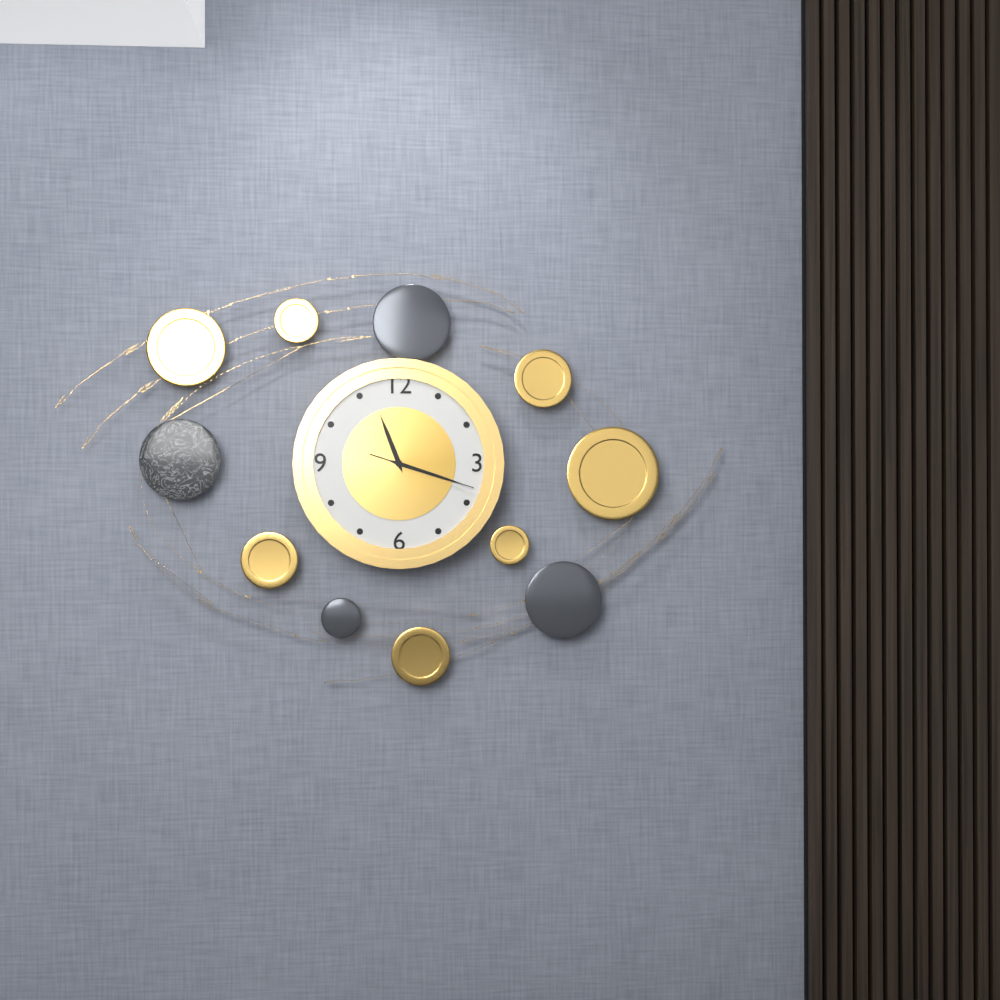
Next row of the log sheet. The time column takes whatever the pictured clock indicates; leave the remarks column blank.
11:18:18
